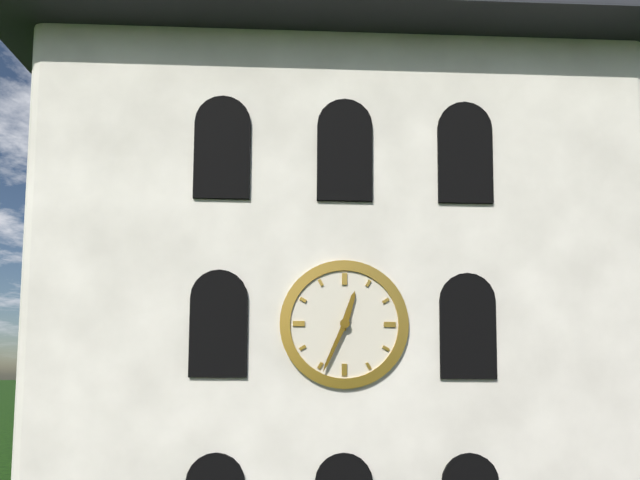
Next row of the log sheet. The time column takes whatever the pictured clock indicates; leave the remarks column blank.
12:34
